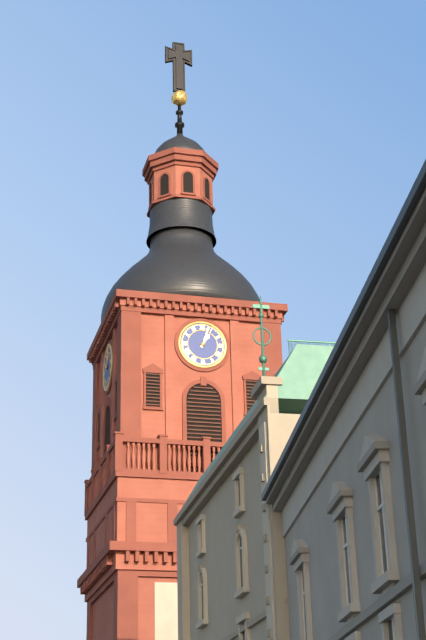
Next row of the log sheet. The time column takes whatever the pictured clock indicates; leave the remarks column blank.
1:03
